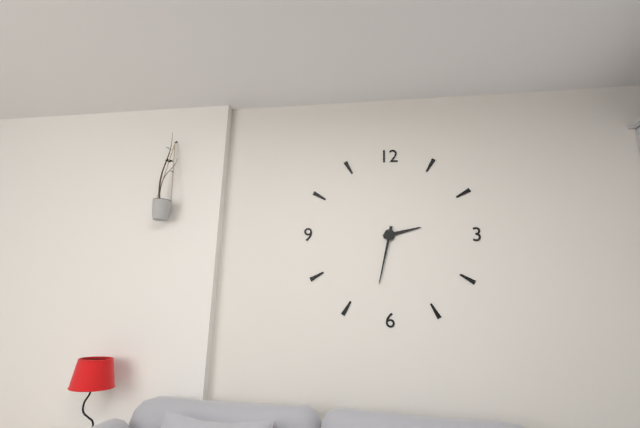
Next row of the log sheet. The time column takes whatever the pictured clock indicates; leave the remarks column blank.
2:32
